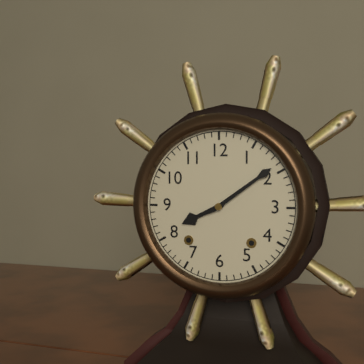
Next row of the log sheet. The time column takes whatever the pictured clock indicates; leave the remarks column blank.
8:09
